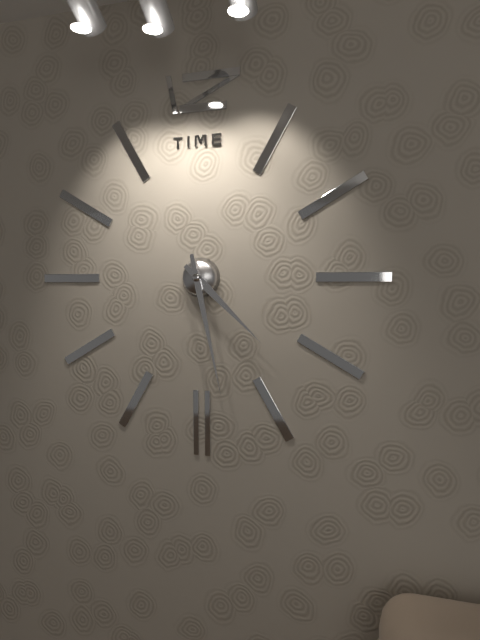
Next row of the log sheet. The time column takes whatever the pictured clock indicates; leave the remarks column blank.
4:28
